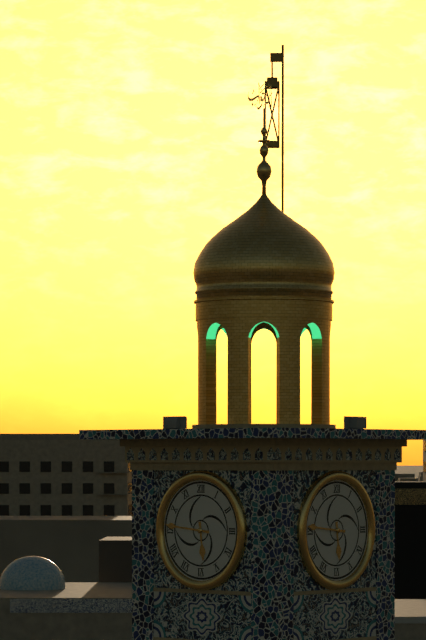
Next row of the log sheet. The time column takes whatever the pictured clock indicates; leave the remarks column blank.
5:46
